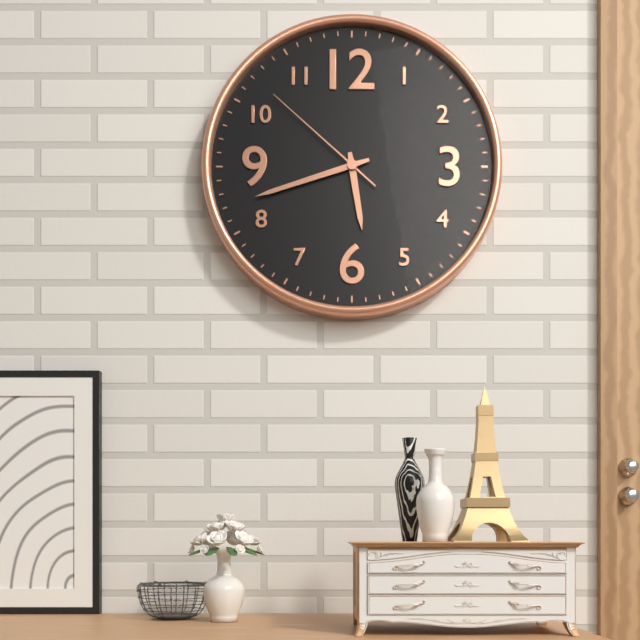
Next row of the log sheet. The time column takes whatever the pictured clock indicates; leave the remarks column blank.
5:42:52
